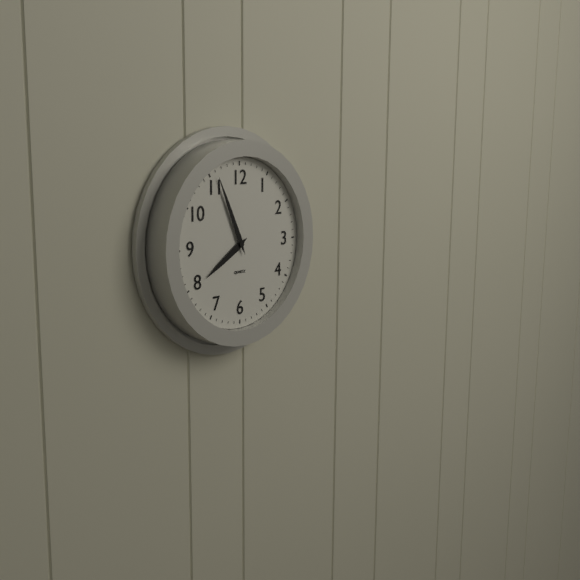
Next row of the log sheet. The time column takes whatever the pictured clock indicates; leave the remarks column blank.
7:56
